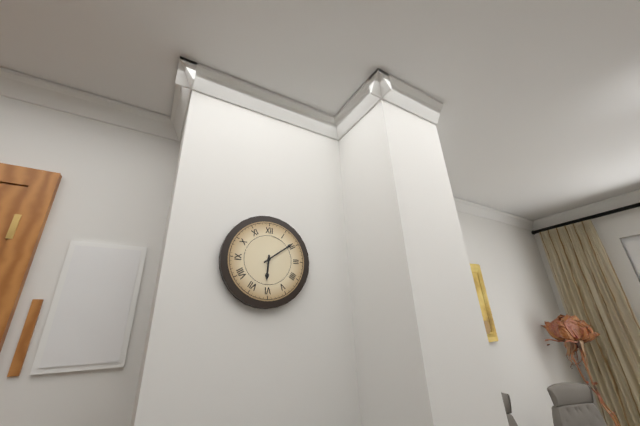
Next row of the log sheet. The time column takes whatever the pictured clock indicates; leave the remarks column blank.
6:09
